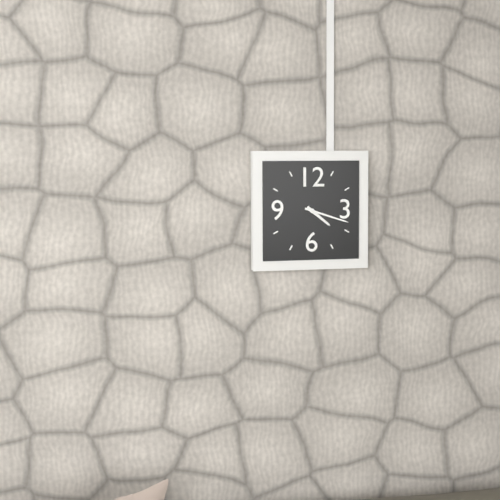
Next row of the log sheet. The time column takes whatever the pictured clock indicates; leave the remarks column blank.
4:18
